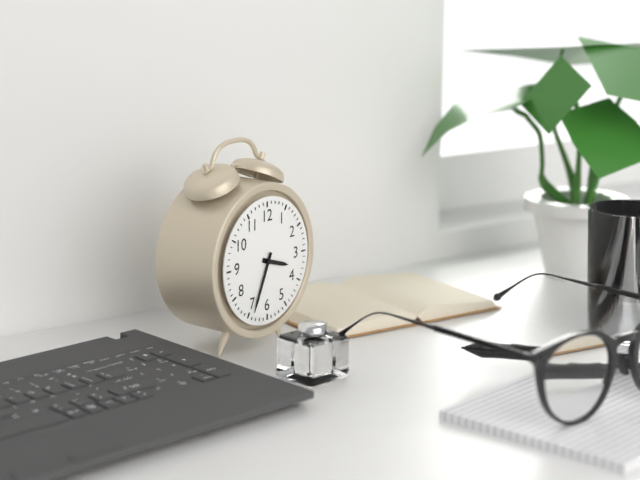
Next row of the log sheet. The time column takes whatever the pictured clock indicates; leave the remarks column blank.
3:34
